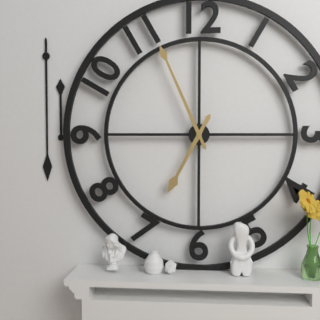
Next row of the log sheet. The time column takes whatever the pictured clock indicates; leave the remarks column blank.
6:56
